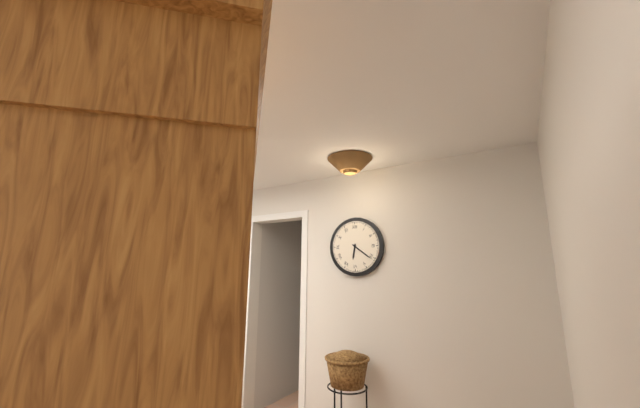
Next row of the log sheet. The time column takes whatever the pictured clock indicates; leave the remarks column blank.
6:21
